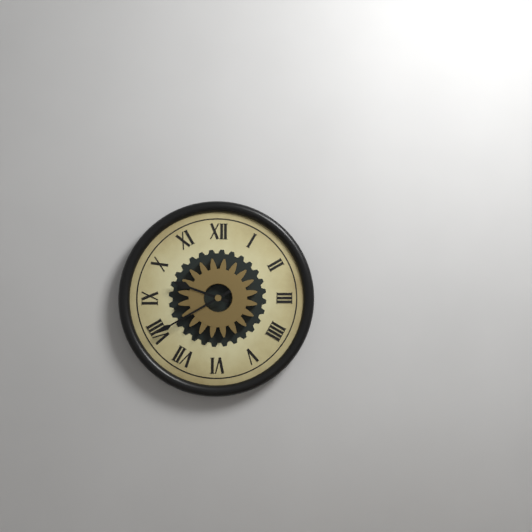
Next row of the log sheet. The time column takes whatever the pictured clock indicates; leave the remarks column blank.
9:40
